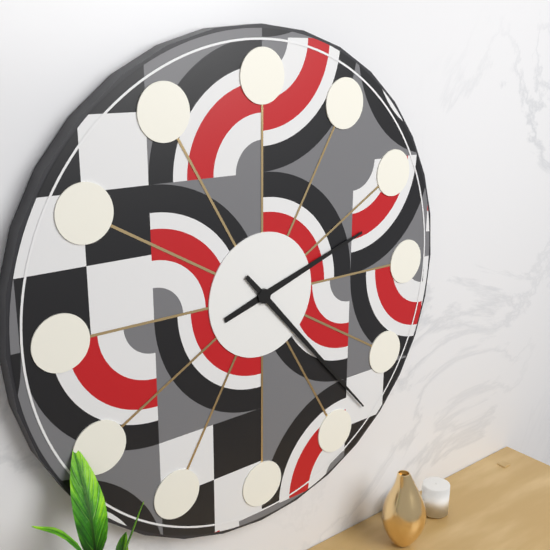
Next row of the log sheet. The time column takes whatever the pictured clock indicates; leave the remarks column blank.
2:23
